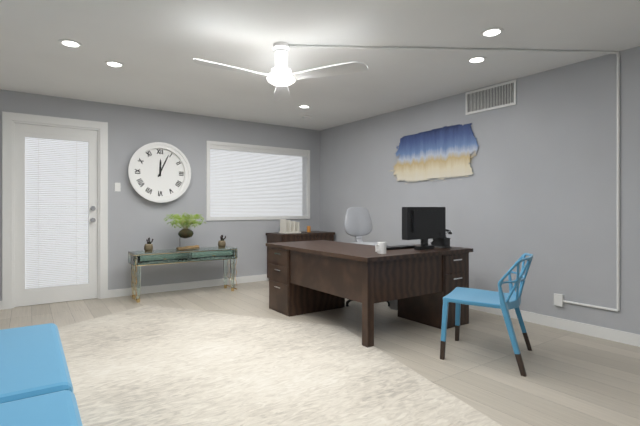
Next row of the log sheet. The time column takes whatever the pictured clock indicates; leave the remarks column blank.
12:04
